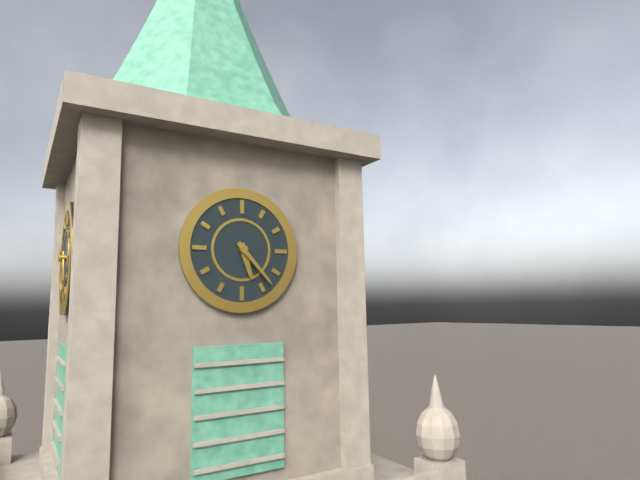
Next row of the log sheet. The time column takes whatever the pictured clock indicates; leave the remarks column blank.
5:23
